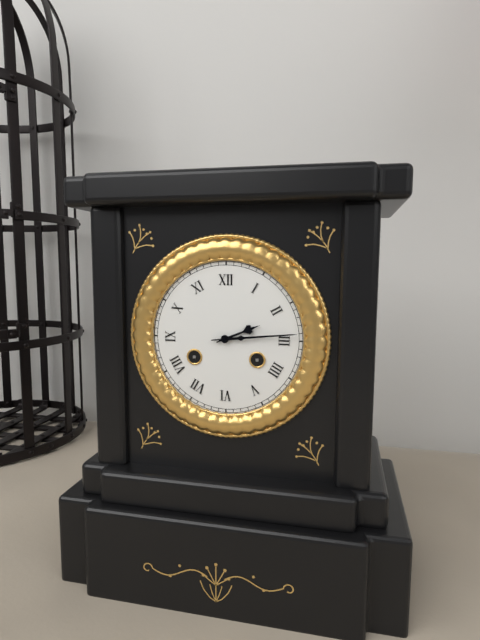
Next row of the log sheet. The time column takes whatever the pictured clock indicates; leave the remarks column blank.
2:14
